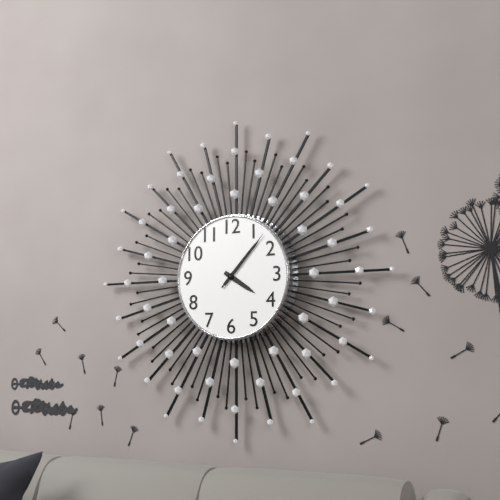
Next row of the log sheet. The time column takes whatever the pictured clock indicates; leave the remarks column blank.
4:07:07
